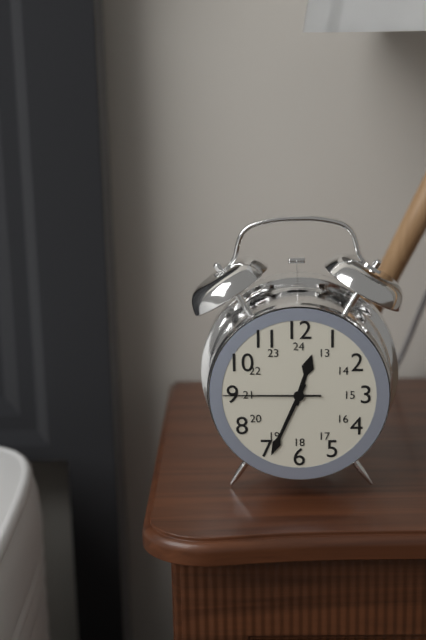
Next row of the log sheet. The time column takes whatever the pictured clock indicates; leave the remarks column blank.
12:34:45
